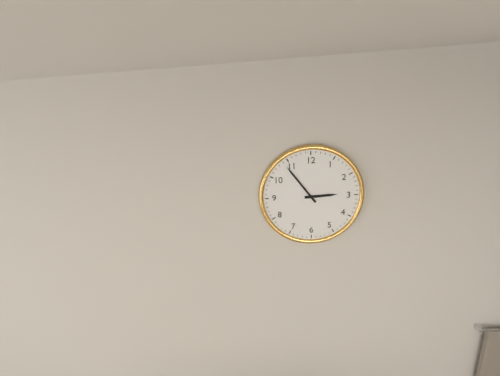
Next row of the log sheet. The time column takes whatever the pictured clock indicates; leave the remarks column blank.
2:54
